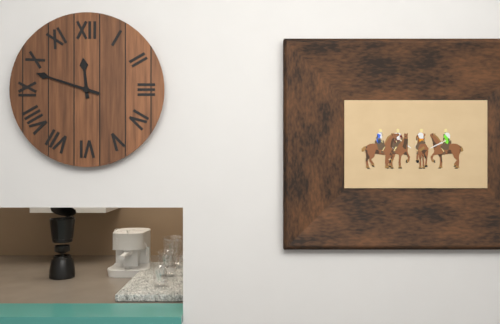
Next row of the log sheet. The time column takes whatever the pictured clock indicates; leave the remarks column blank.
11:48
